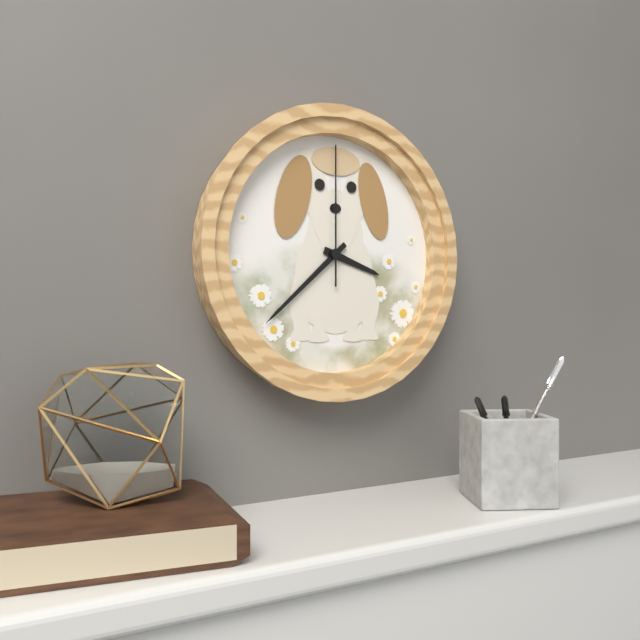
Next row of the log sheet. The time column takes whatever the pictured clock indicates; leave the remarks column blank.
3:38:00
